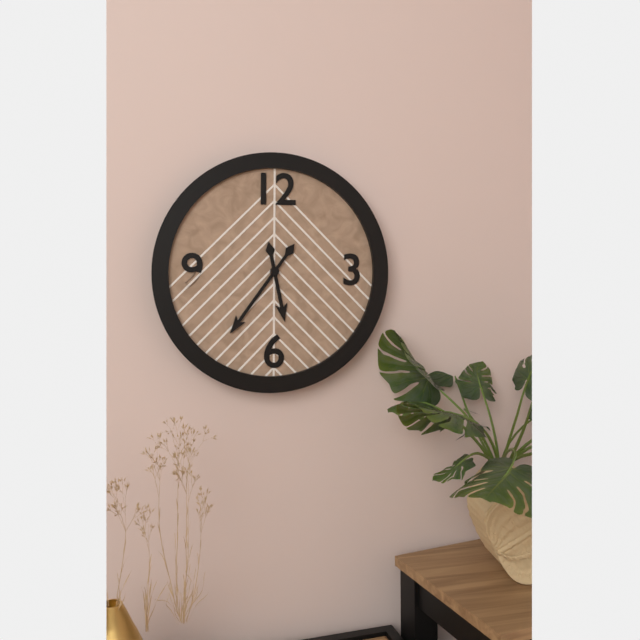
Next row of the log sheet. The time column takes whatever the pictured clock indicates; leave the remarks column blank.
5:36
